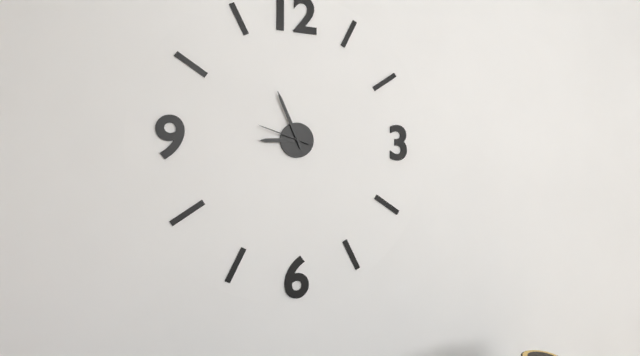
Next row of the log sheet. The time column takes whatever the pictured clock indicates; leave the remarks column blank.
8:56:48
